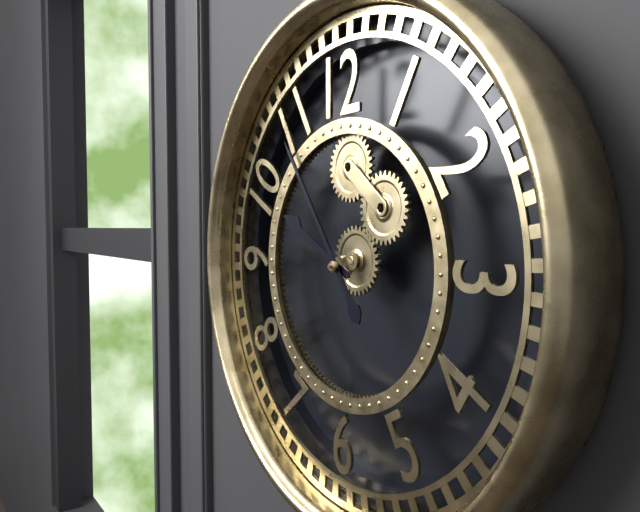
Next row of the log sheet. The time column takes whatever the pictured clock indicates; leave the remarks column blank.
9:54
